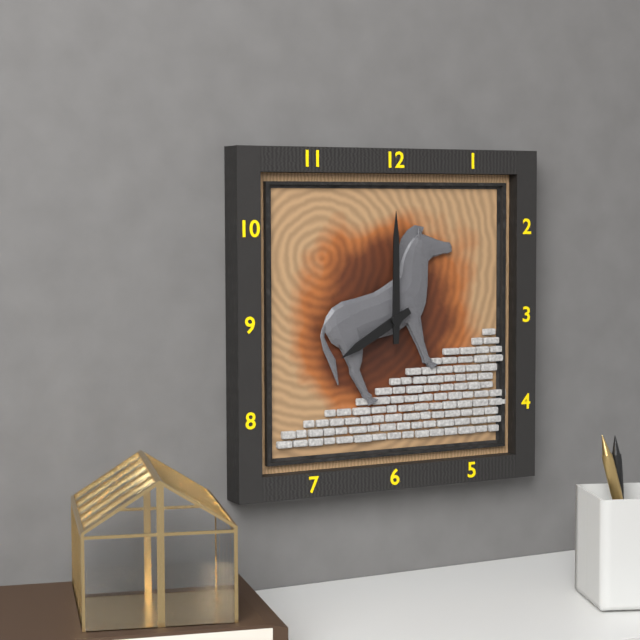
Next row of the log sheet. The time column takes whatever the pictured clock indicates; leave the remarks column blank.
8:00
